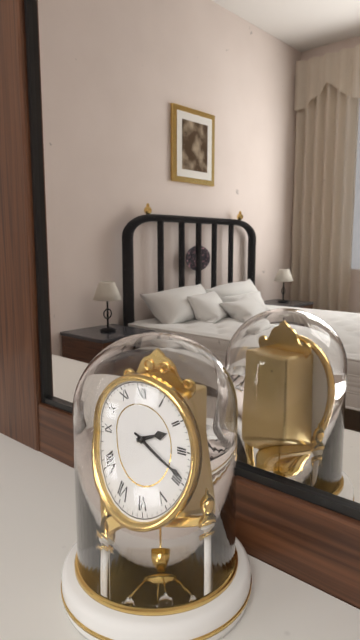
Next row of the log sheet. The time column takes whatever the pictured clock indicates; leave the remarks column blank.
2:19
